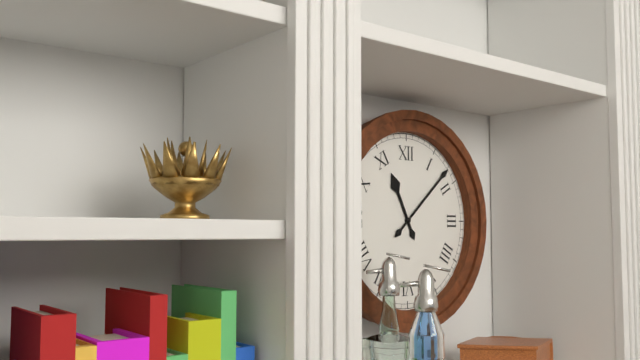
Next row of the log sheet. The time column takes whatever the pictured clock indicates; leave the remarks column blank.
11:08
